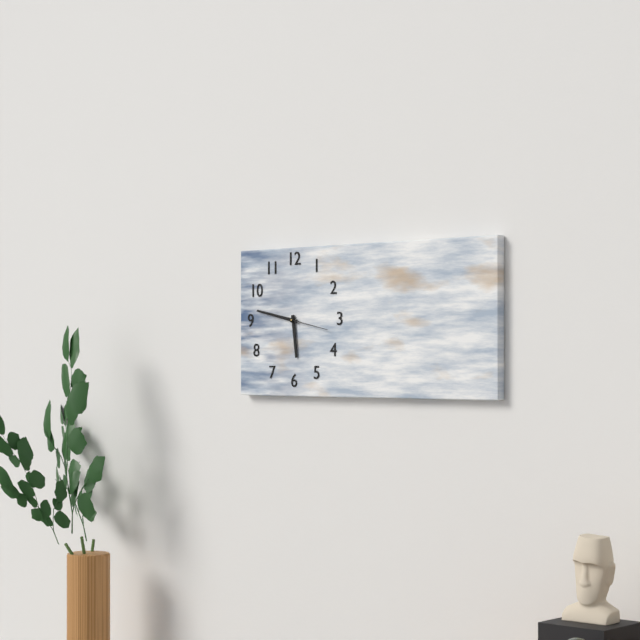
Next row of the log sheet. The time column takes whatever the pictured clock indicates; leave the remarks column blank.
5:47
